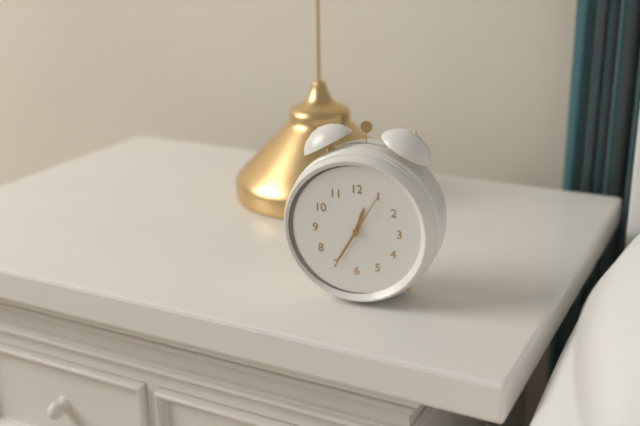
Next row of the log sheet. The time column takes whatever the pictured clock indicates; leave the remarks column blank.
12:35:05
